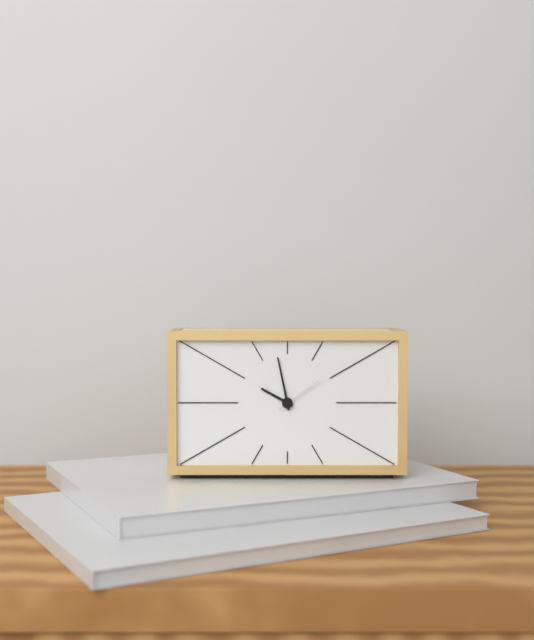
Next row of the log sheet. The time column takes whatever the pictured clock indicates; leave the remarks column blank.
9:58:09
